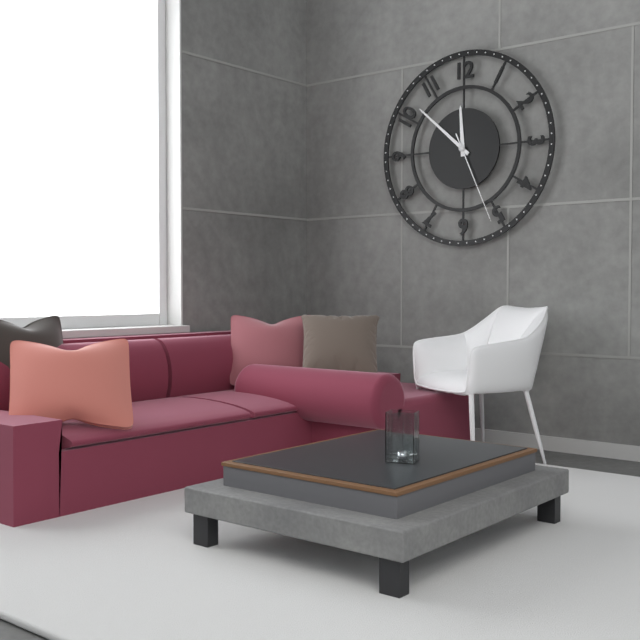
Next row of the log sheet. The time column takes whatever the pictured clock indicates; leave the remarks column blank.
11:52:26
